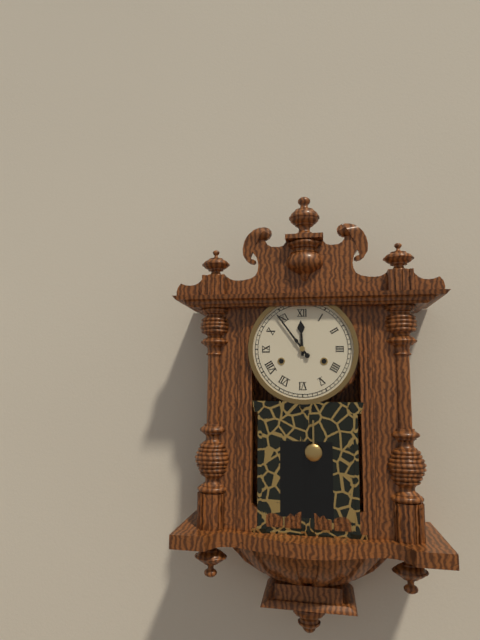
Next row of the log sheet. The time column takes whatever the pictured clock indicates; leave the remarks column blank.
11:54
